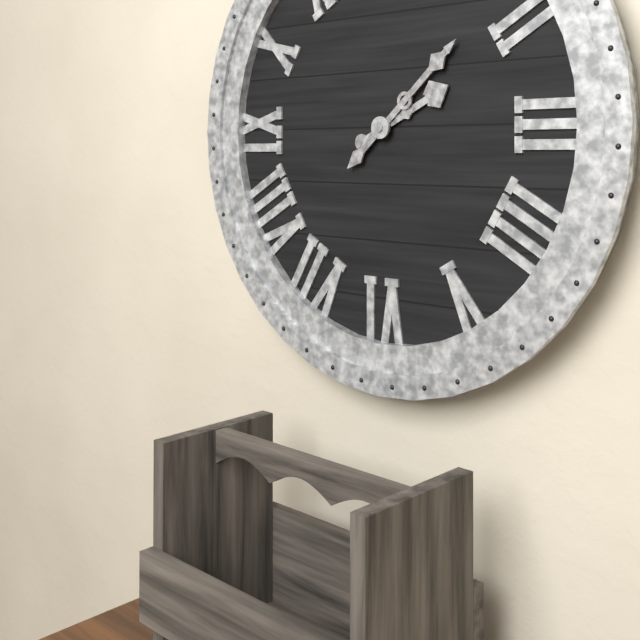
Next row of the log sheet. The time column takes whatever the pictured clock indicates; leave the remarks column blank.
2:08
